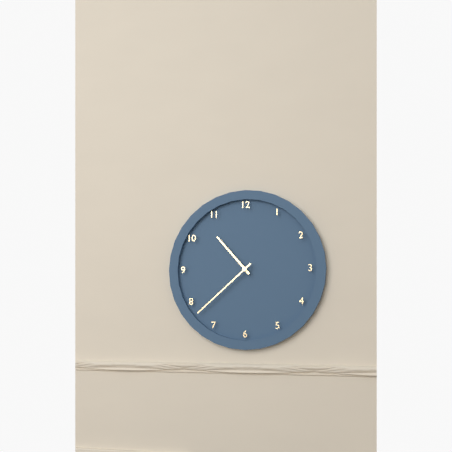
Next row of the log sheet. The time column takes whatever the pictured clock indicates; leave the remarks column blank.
10:38
